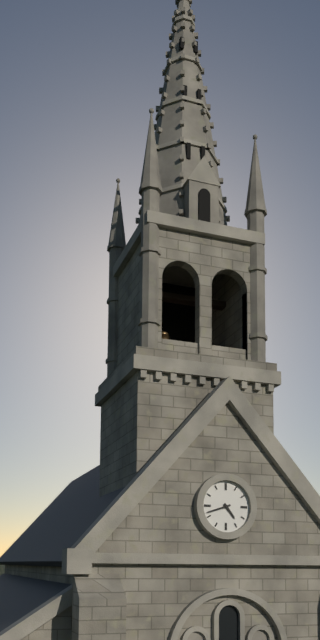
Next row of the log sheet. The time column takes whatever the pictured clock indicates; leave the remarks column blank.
4:42
